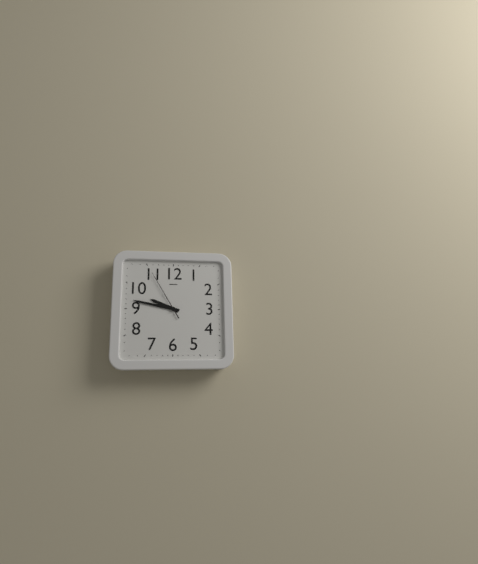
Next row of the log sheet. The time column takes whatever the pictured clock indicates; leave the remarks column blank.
9:47:55
